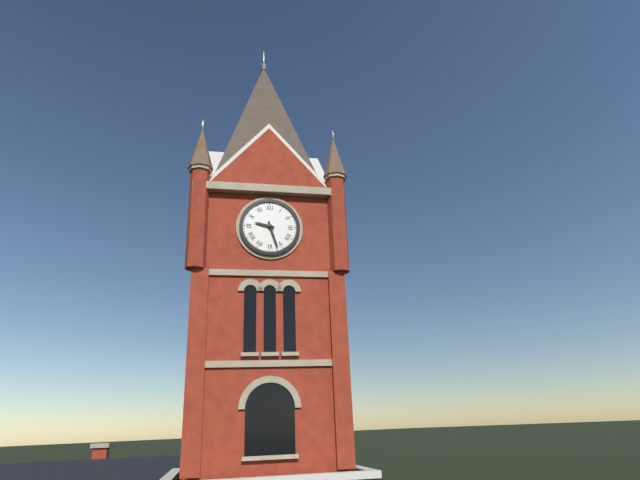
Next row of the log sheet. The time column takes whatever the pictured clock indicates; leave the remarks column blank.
9:27
